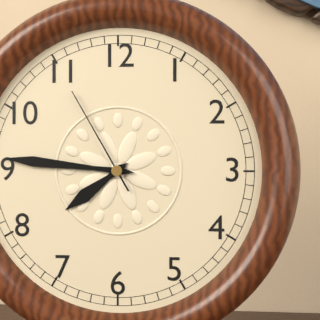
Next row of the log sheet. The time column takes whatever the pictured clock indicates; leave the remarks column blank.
7:46:55
